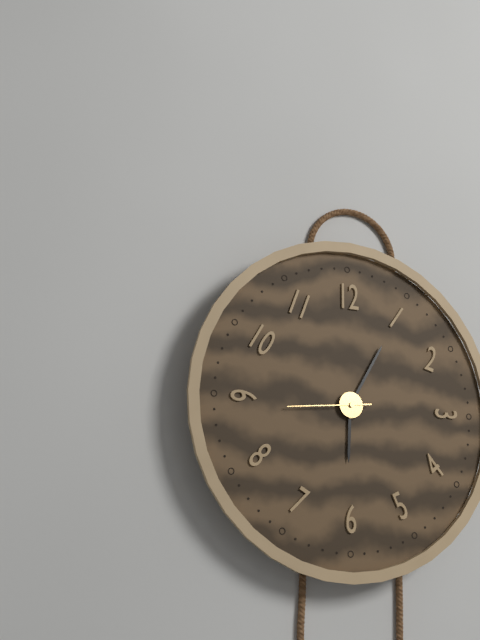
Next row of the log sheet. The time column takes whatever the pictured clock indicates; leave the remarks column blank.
6:05:44
